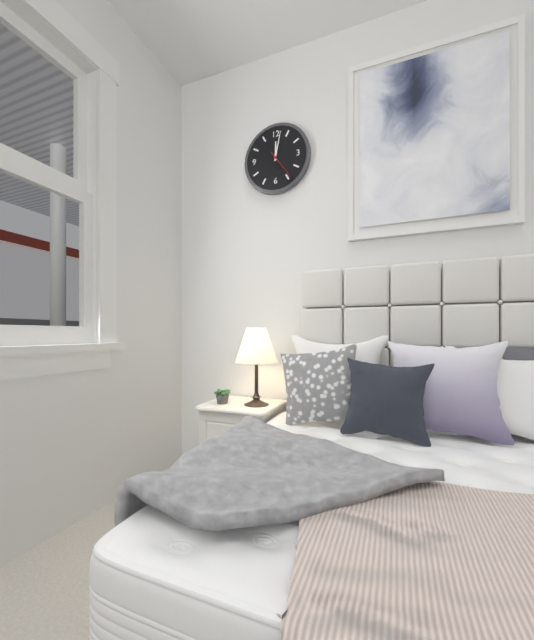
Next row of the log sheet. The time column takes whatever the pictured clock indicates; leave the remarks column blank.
12:02
